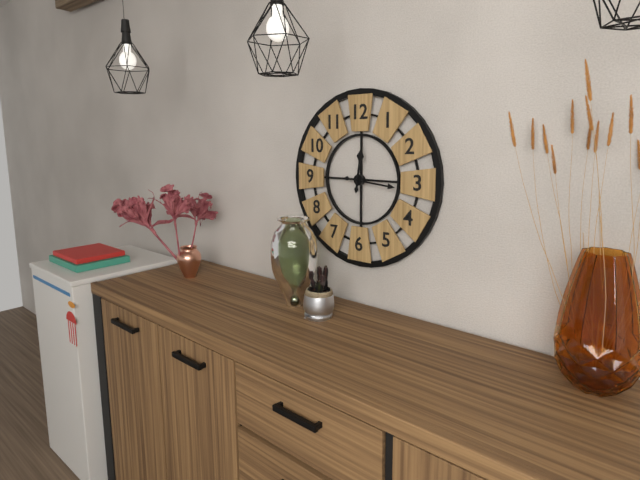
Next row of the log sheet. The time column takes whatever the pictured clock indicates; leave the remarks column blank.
12:16
